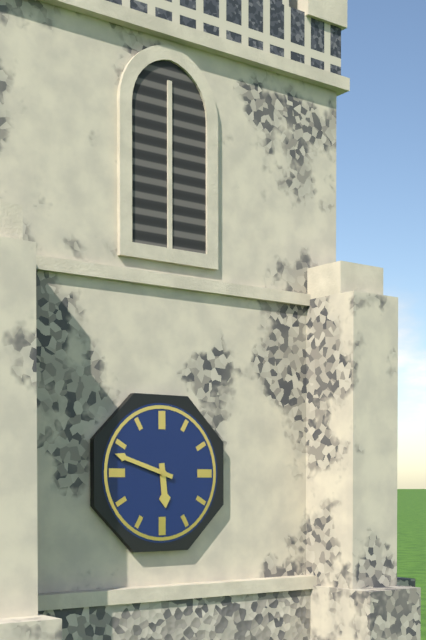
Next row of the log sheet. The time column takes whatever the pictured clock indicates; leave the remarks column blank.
5:48
